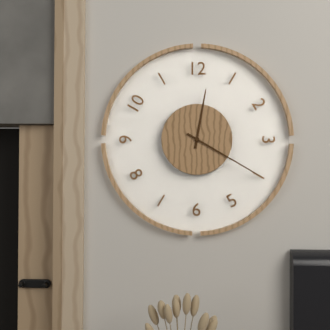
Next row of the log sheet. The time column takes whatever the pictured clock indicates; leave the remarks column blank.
12:20
